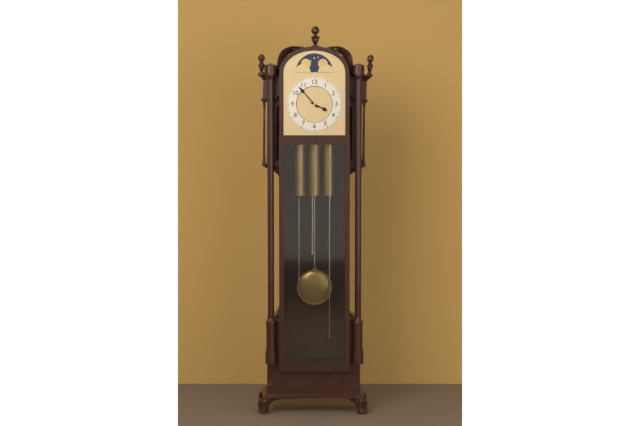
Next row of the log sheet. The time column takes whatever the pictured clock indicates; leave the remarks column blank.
3:53
